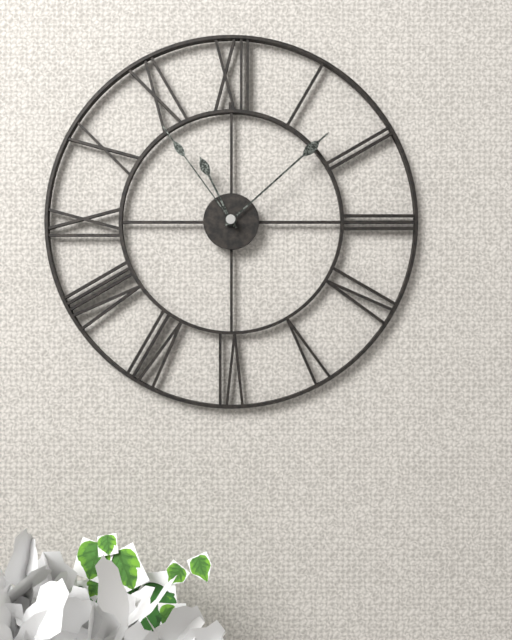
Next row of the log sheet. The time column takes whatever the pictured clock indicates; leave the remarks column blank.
11:08:54
